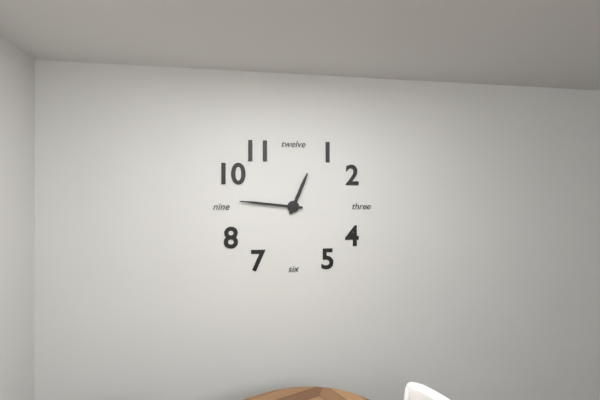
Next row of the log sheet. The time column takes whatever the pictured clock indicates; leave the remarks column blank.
12:46
